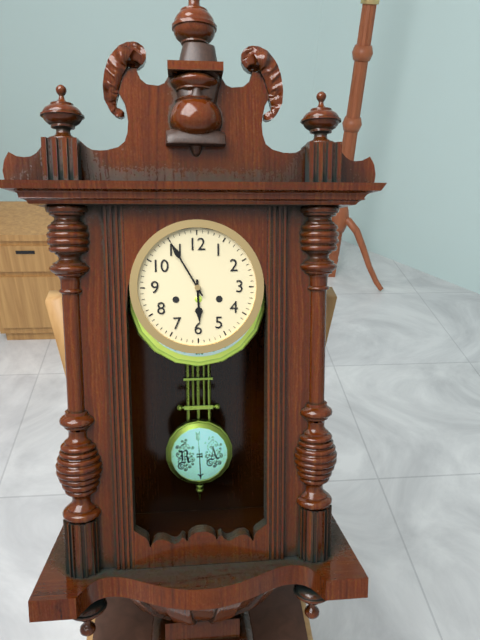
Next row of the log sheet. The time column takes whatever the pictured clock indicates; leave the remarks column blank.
5:55
